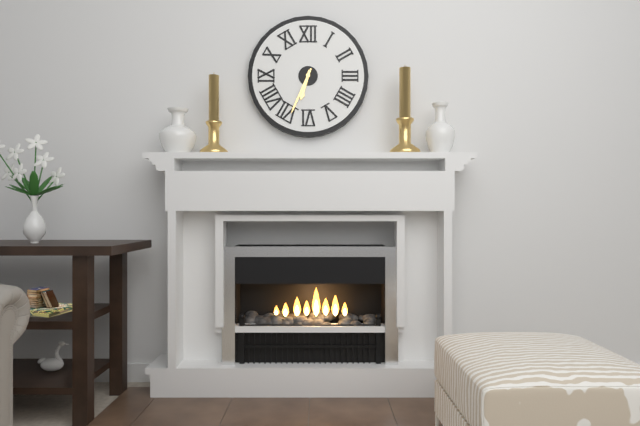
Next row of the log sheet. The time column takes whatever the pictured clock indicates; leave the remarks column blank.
6:34
